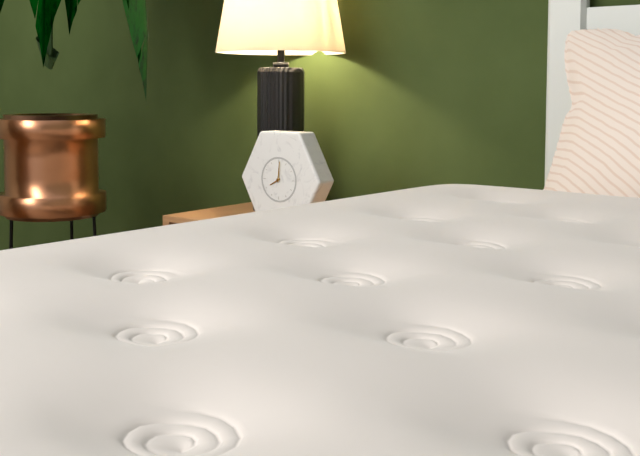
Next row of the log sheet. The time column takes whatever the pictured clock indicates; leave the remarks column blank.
8:01
